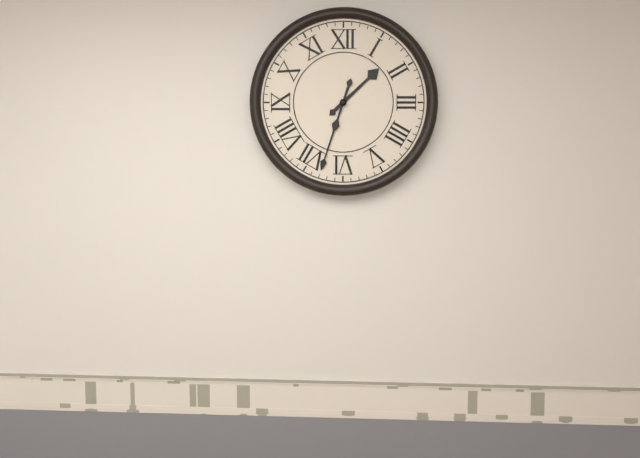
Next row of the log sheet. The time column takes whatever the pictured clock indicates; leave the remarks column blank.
1:33
